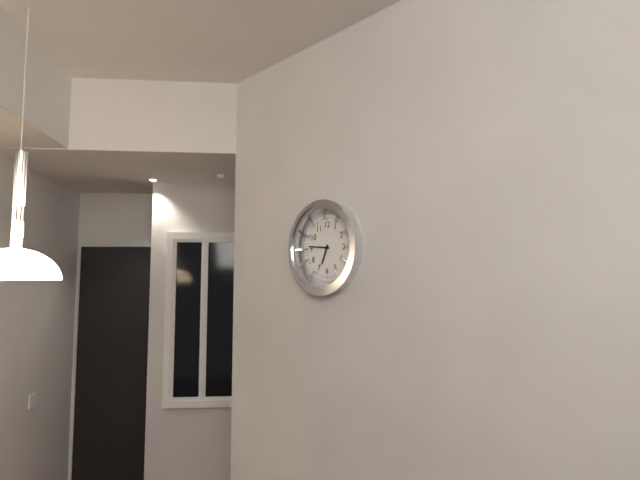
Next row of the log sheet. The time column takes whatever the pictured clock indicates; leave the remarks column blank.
6:46
